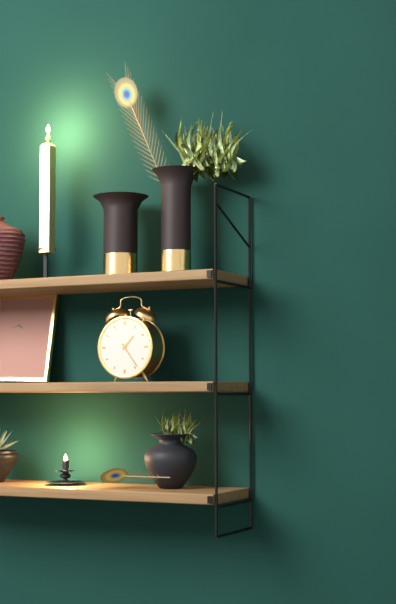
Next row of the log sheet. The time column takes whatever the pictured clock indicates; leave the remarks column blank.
1:24
